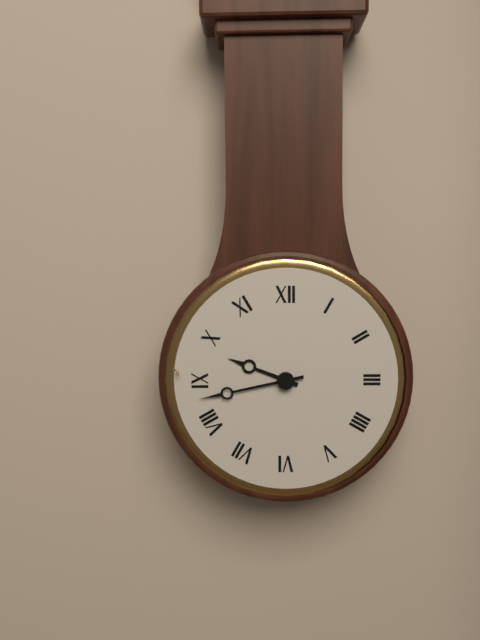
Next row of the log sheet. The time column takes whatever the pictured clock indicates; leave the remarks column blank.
9:43
